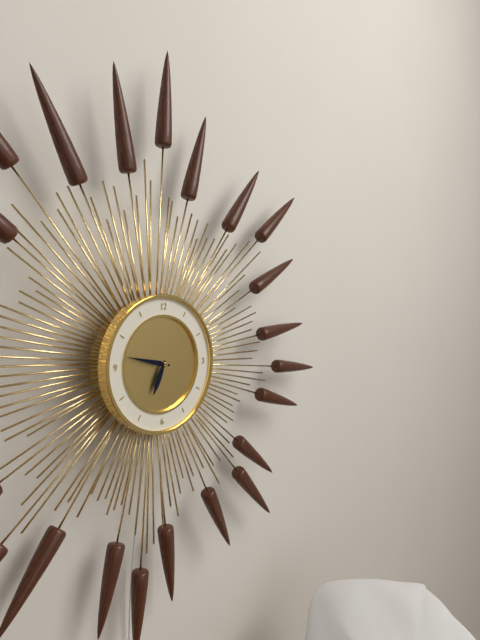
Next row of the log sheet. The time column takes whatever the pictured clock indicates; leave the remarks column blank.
6:47
